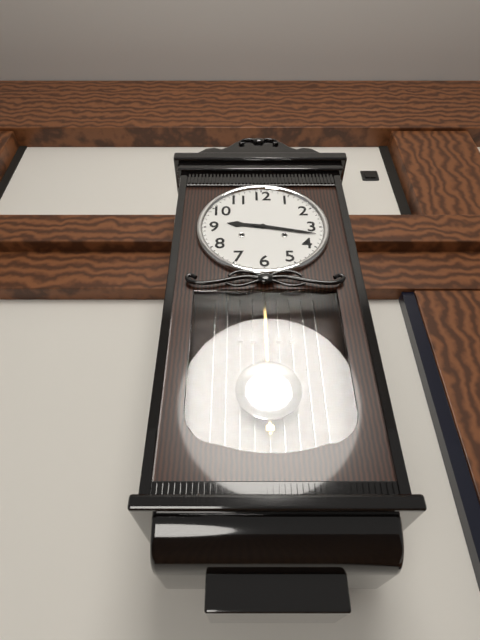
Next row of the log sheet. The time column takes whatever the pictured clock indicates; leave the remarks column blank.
9:17
